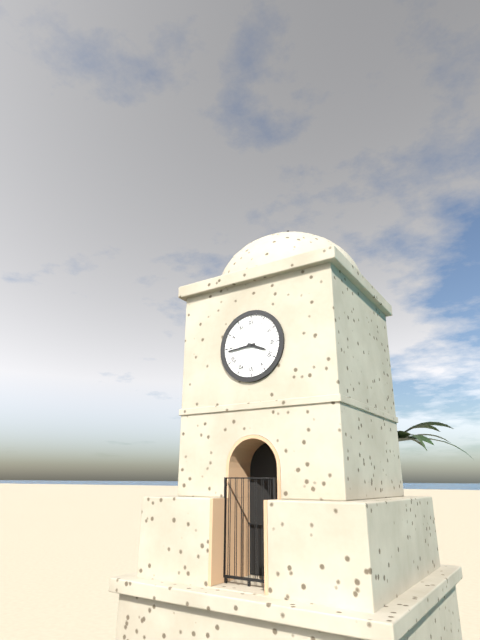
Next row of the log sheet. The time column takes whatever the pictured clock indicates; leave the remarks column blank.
3:44
